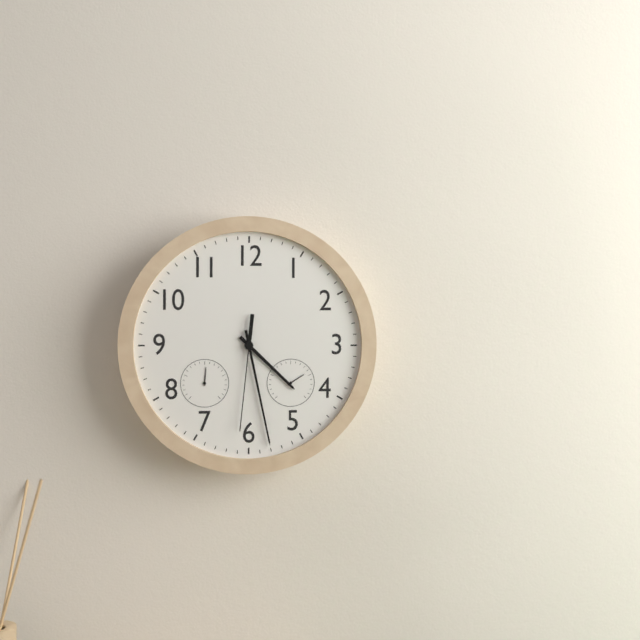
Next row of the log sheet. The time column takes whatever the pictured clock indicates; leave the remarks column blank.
4:28:31
